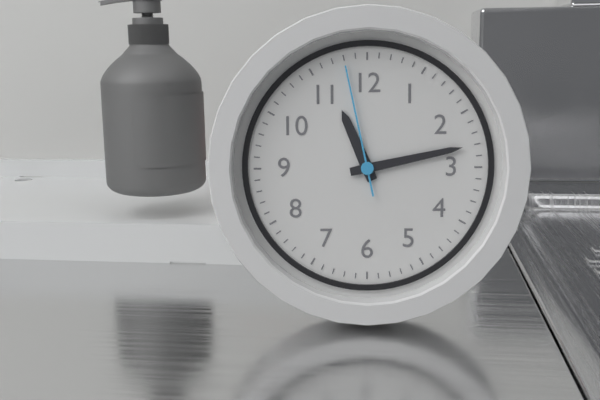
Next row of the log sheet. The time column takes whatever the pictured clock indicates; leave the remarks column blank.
11:13:58
